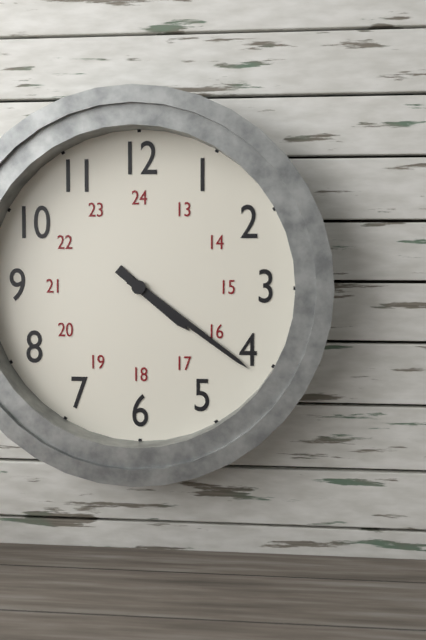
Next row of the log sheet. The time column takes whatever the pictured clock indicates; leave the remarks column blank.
4:21
